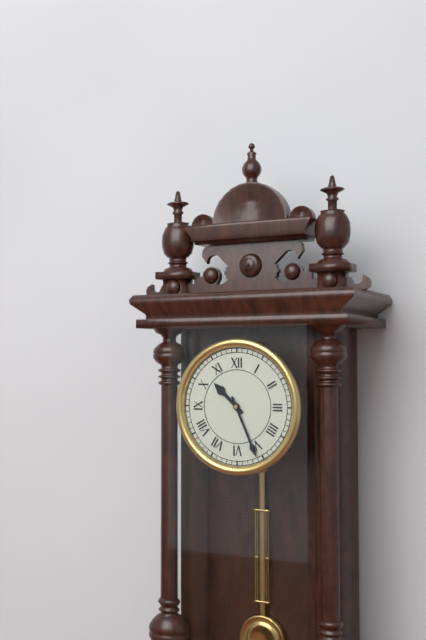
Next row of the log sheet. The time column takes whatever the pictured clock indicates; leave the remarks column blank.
10:26
